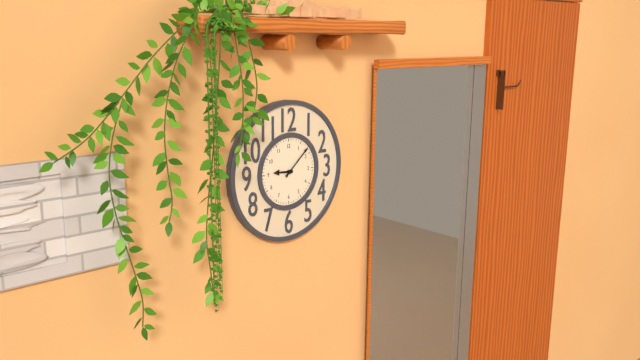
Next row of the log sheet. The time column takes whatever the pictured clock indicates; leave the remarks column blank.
9:08
